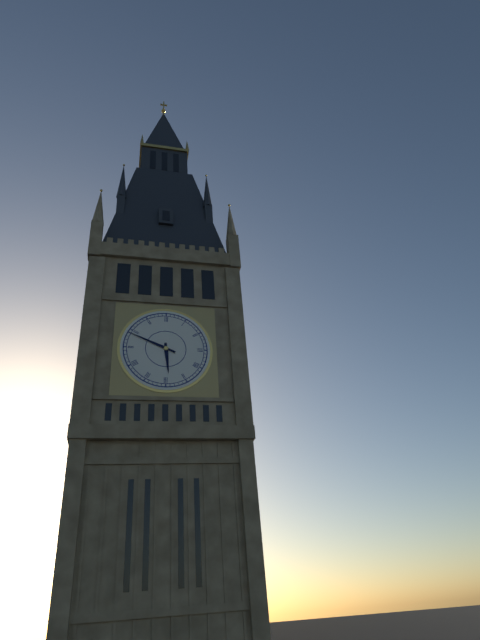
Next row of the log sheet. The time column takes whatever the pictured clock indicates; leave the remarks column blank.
5:49
